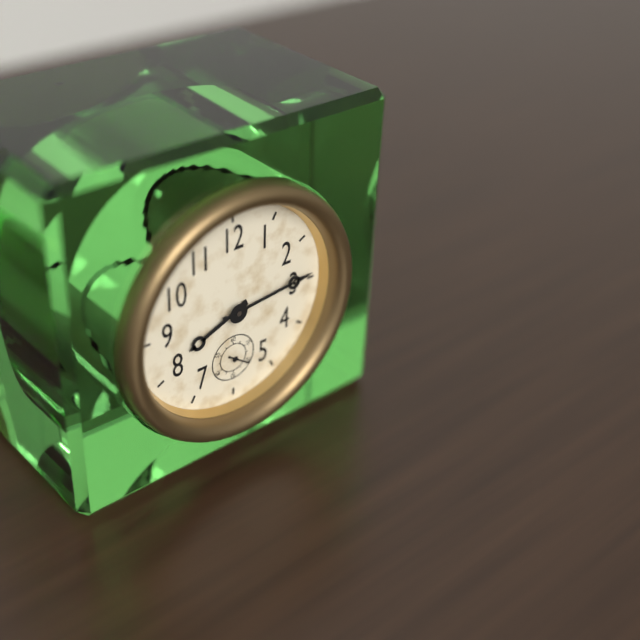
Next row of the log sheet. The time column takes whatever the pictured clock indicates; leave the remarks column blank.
8:14
